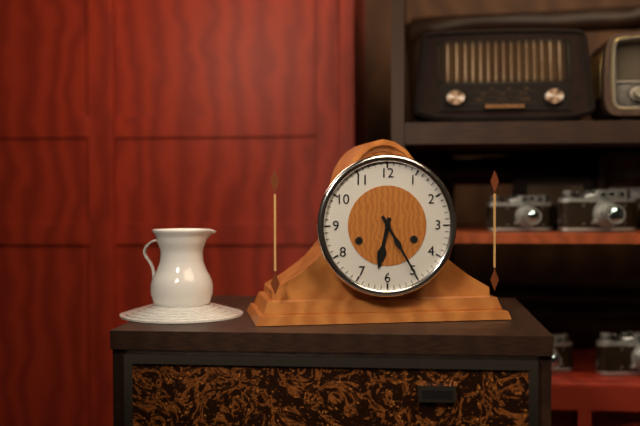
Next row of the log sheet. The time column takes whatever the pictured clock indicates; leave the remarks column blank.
6:25
